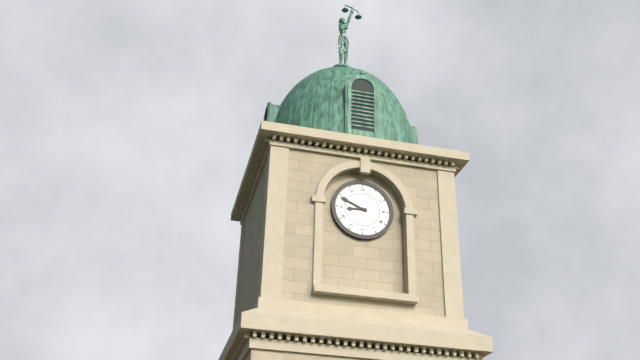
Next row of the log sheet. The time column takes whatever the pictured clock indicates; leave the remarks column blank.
8:49
